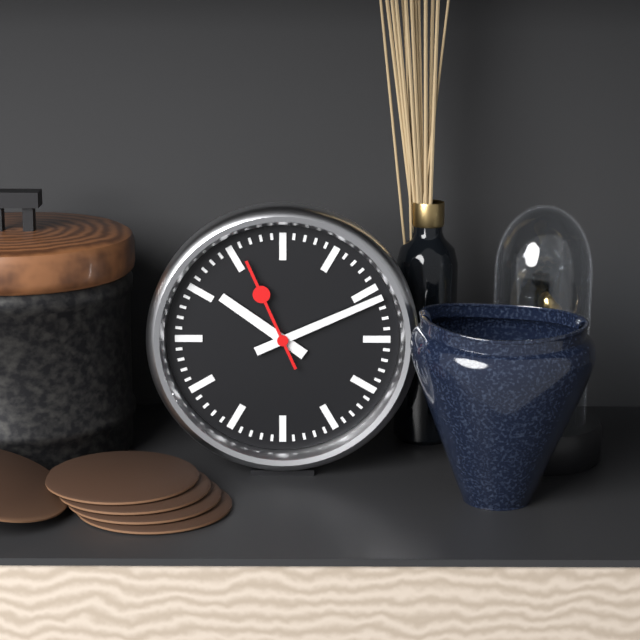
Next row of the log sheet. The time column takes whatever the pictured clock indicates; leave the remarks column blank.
10:11:56
